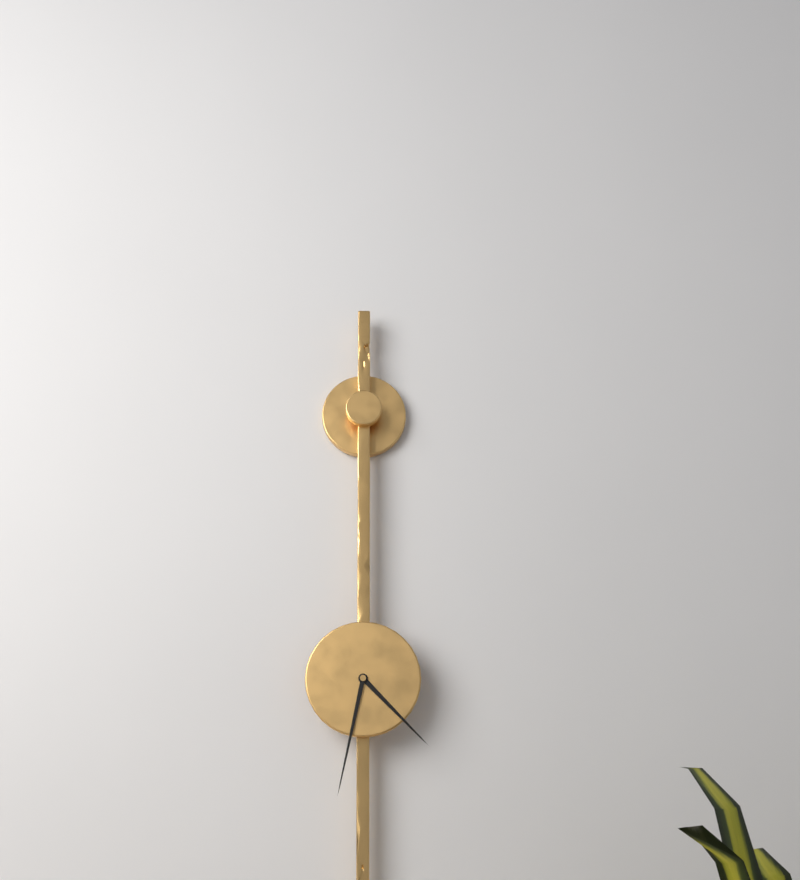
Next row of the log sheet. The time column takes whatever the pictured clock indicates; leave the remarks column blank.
4:32
